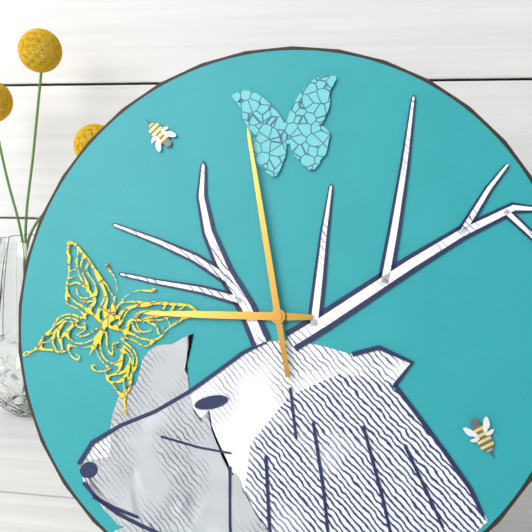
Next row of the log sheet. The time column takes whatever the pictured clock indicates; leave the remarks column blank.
8:58
